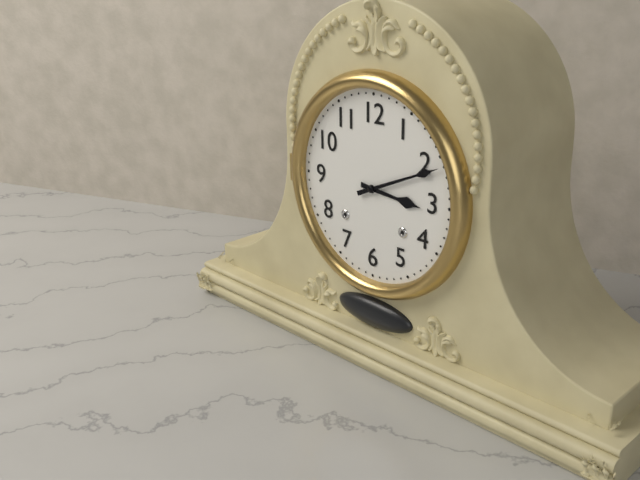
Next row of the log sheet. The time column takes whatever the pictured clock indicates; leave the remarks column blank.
3:11
